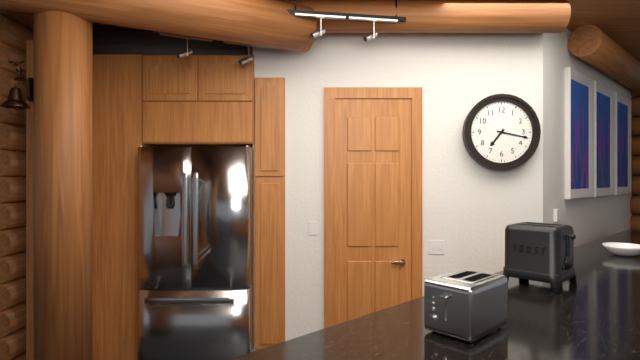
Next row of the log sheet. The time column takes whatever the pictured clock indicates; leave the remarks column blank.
7:17
